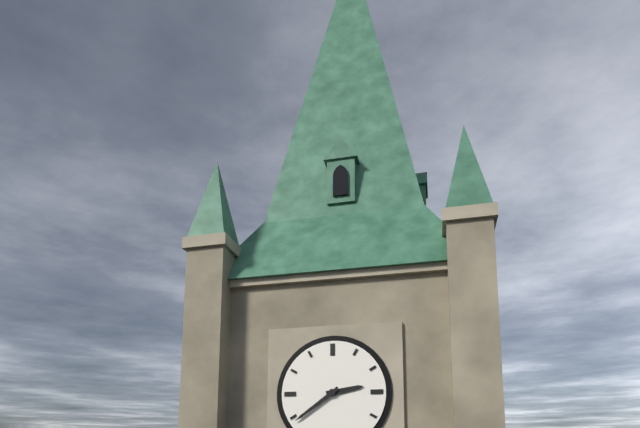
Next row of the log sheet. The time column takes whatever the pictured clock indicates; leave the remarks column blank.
2:39
